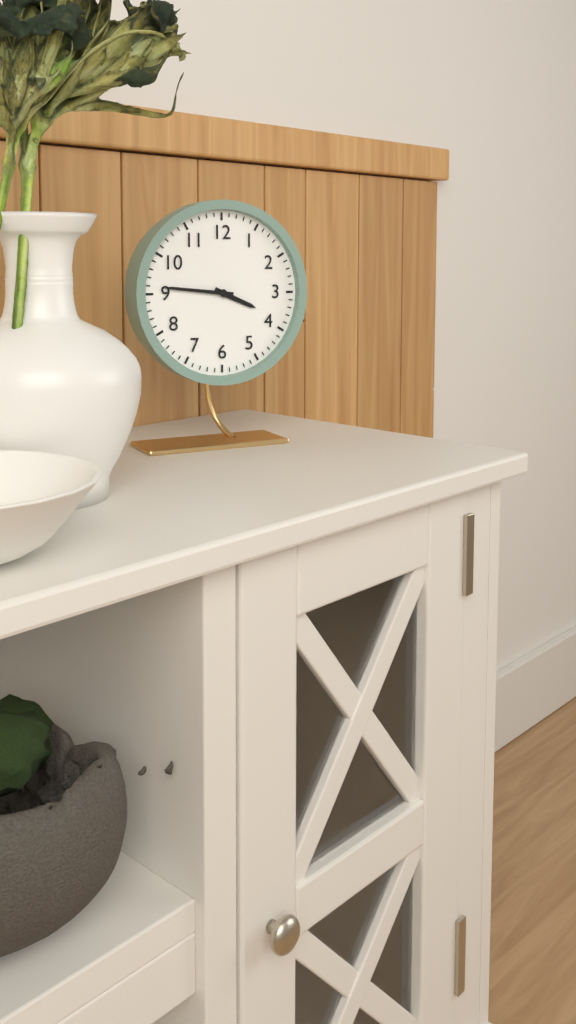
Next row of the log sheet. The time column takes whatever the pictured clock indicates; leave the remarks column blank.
3:46
